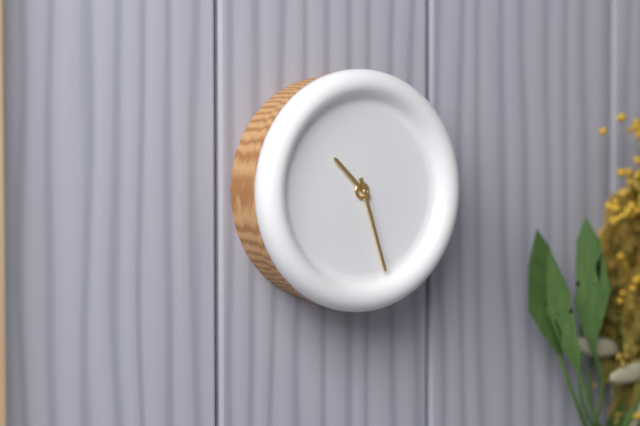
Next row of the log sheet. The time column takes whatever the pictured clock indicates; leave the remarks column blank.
10:27
